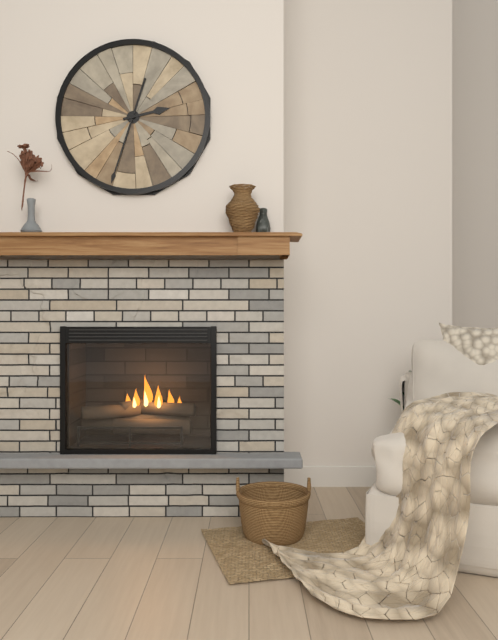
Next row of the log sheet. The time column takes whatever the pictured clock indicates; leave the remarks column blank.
2:33
